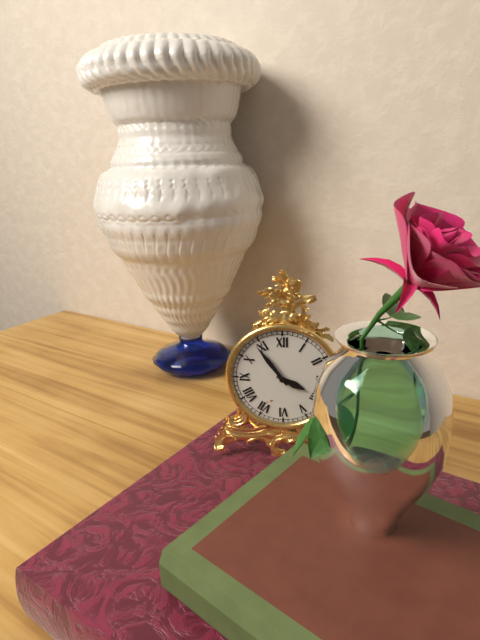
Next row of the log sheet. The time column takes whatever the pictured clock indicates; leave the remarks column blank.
3:54
